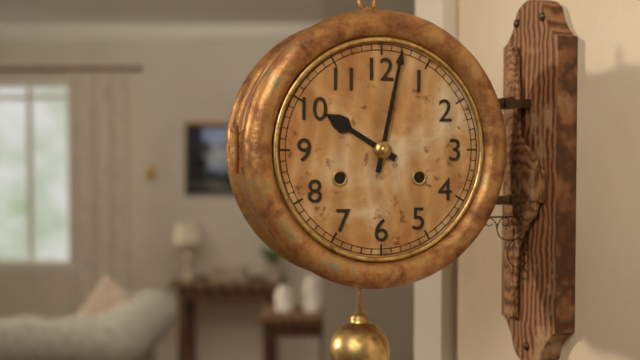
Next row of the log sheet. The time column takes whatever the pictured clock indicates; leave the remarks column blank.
10:02
